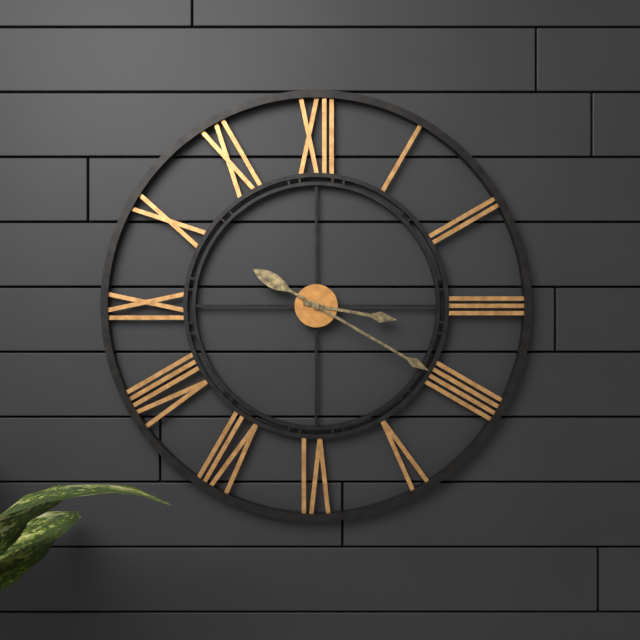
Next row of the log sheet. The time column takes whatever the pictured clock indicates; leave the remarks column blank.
3:20
